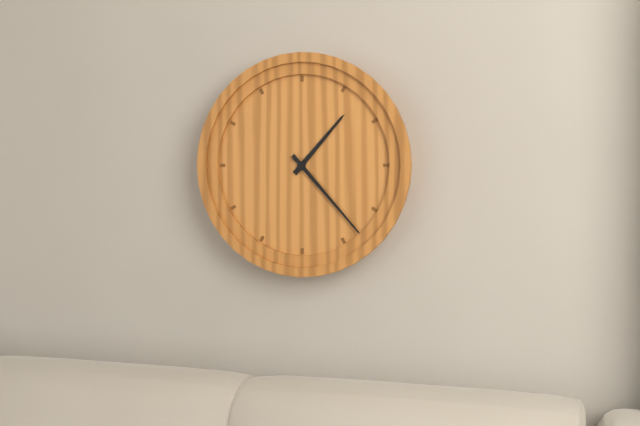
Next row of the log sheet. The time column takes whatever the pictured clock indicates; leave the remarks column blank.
1:23
